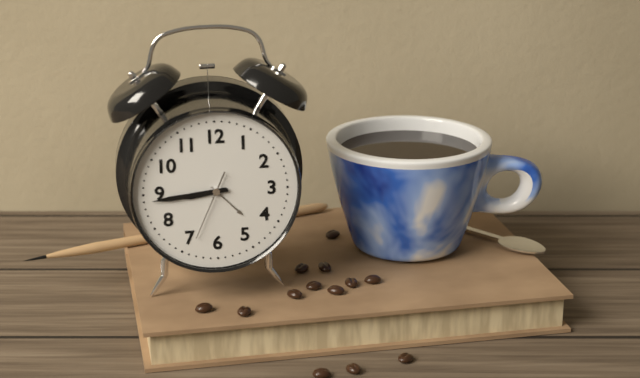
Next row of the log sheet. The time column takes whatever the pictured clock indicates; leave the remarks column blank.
8:44:34
